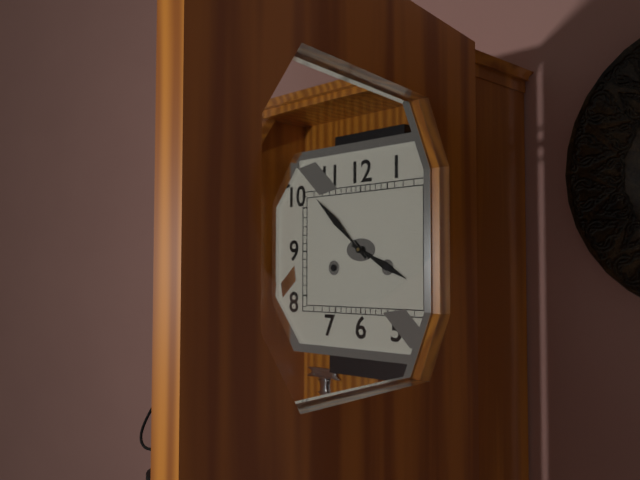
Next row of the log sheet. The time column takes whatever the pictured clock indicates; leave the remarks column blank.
3:52
